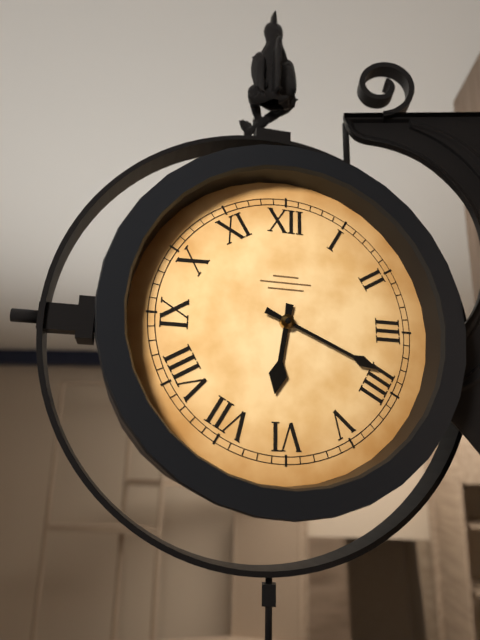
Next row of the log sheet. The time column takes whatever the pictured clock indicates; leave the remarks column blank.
6:19
